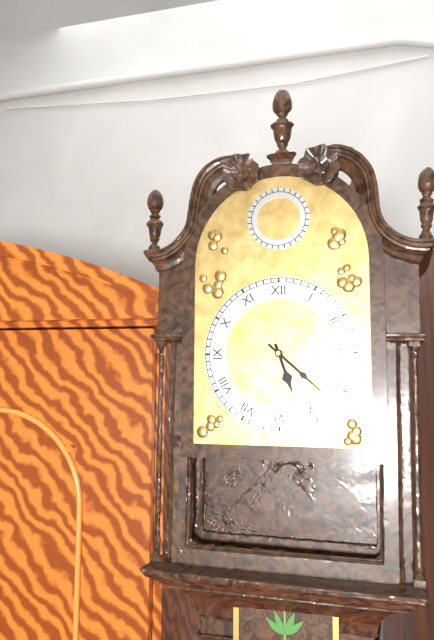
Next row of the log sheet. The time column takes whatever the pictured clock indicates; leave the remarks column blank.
5:22
